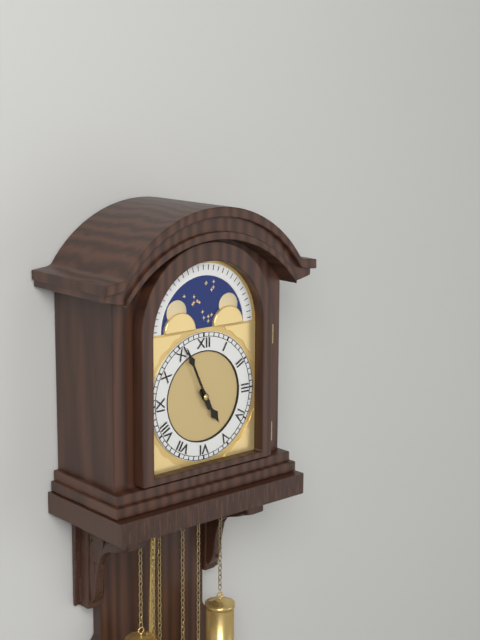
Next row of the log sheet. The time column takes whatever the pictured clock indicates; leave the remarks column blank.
4:56
